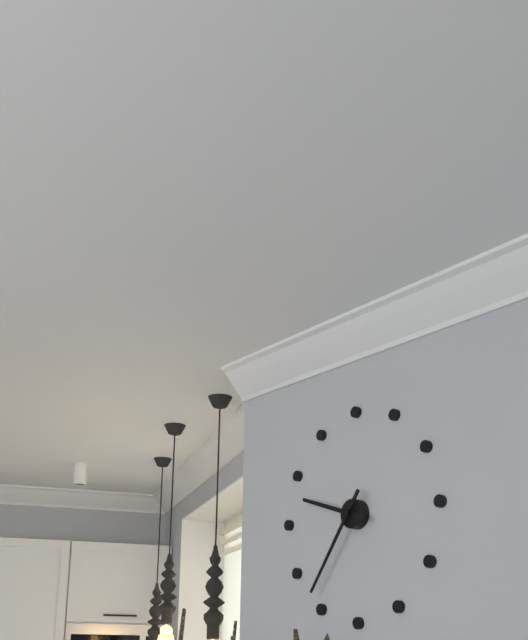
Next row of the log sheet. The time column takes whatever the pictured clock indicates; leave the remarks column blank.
9:36
